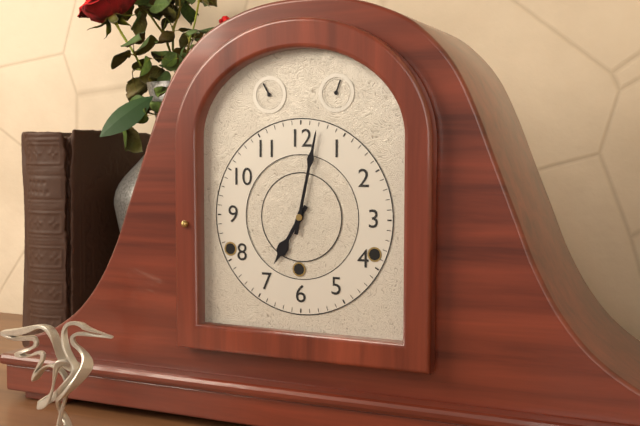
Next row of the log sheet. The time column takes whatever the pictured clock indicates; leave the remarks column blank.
7:02
